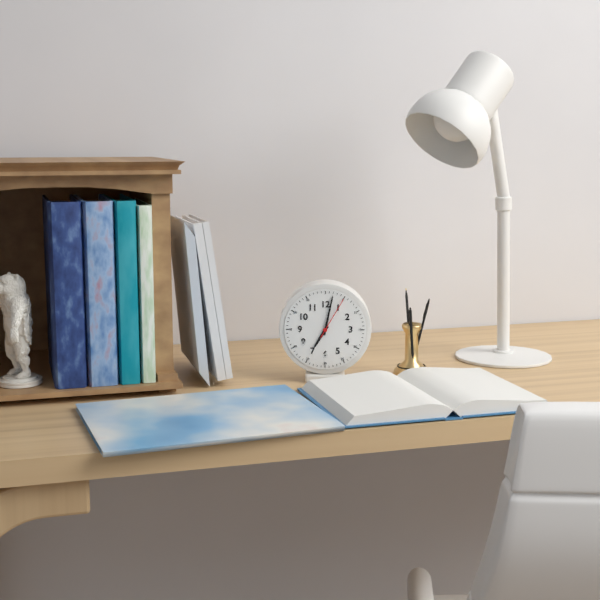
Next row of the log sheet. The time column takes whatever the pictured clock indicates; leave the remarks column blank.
7:02
